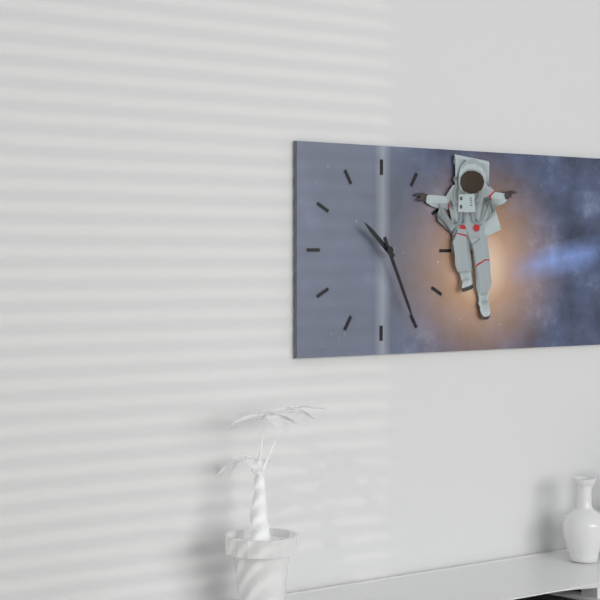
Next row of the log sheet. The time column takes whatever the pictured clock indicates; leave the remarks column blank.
10:26
